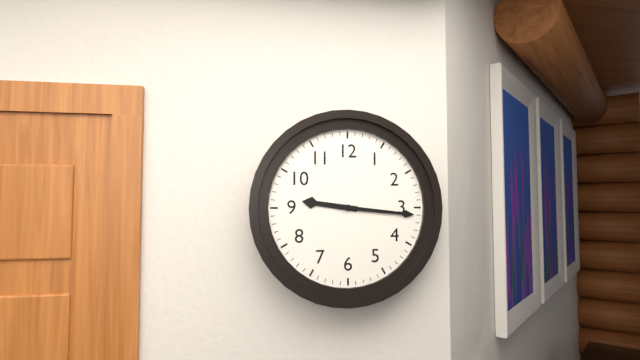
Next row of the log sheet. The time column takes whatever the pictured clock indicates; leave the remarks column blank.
9:16
